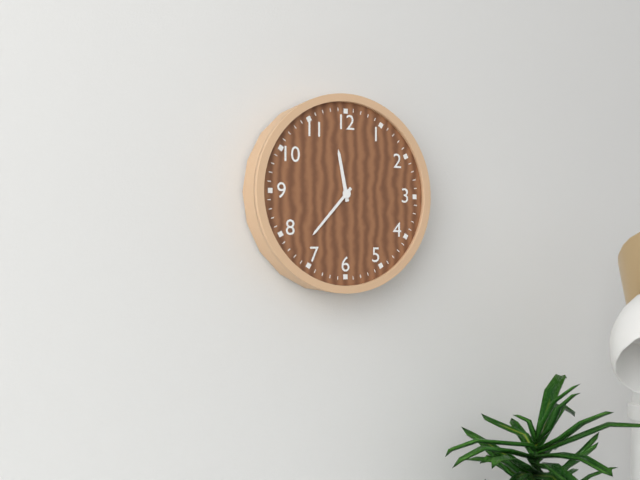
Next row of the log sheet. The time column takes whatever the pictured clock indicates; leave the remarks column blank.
11:37
